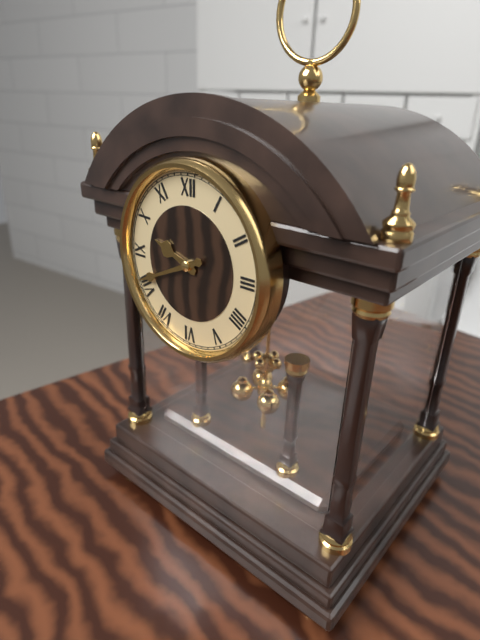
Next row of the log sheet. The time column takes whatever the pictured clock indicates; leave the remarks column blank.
9:41
